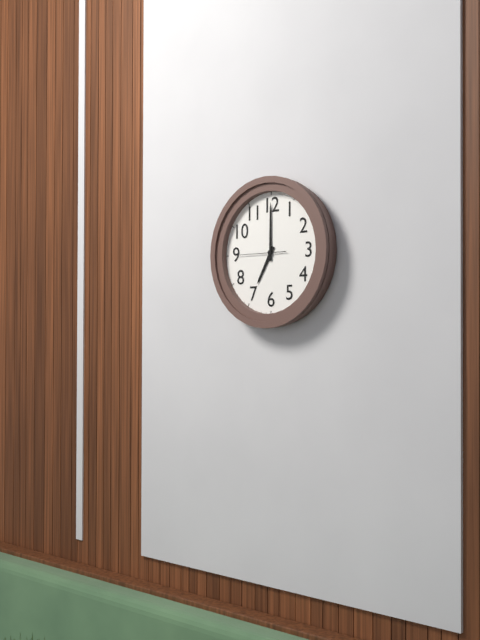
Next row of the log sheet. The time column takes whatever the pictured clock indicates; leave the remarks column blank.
7:00
